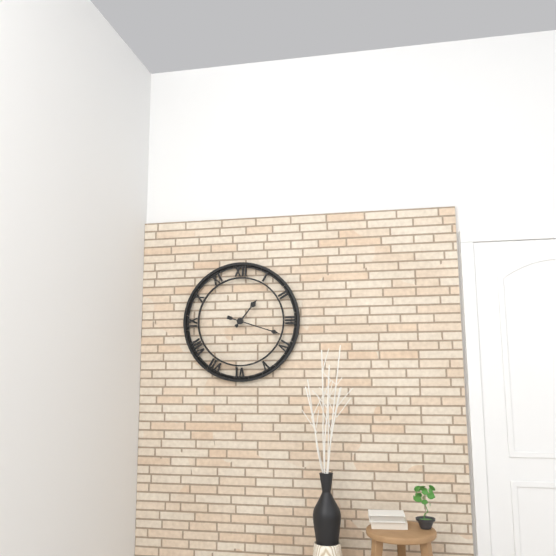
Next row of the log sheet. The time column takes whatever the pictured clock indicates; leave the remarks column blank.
1:18
